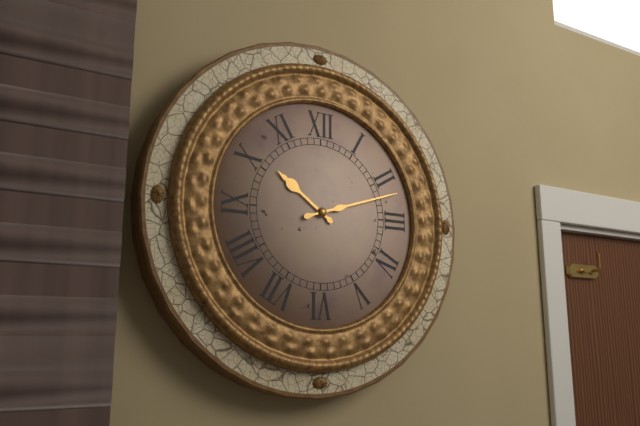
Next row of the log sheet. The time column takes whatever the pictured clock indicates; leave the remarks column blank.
10:12
